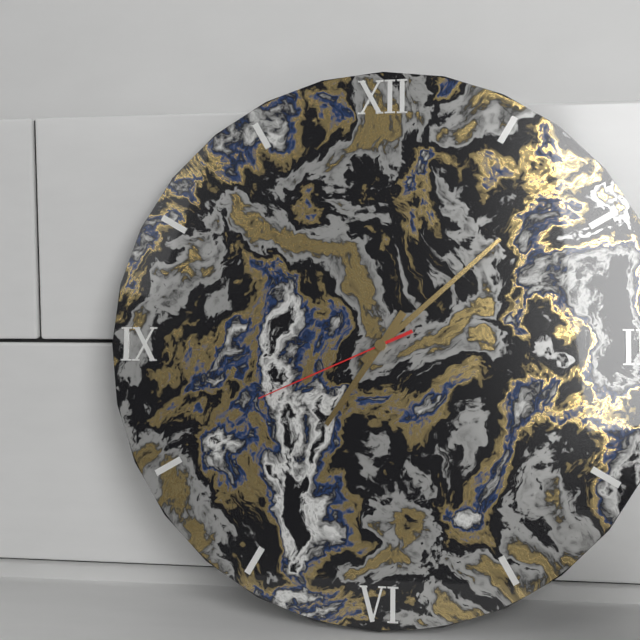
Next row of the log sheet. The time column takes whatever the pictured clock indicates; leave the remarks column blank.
7:08:41
